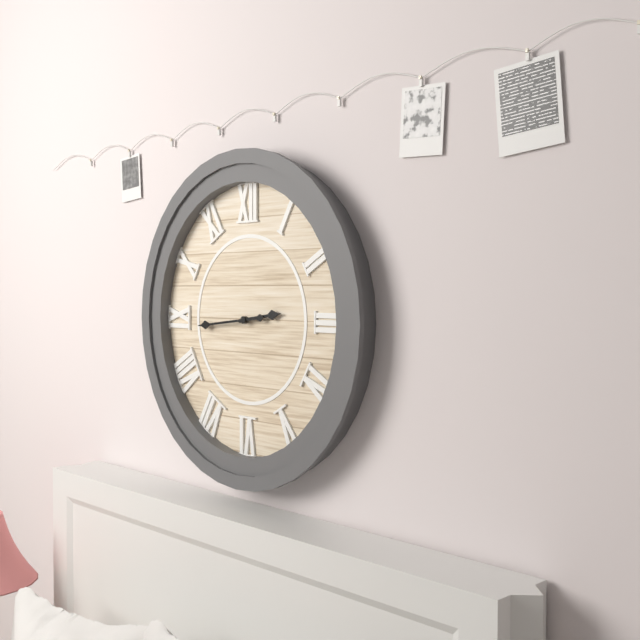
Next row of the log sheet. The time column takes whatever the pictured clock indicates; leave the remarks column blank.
2:44
